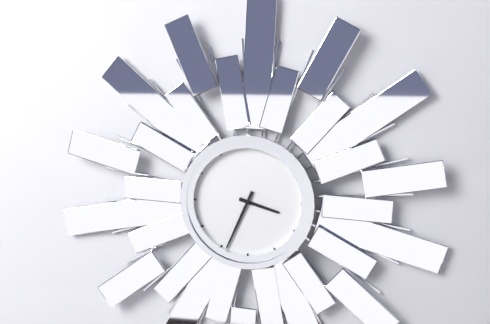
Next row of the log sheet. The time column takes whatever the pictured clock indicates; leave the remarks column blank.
3:34
